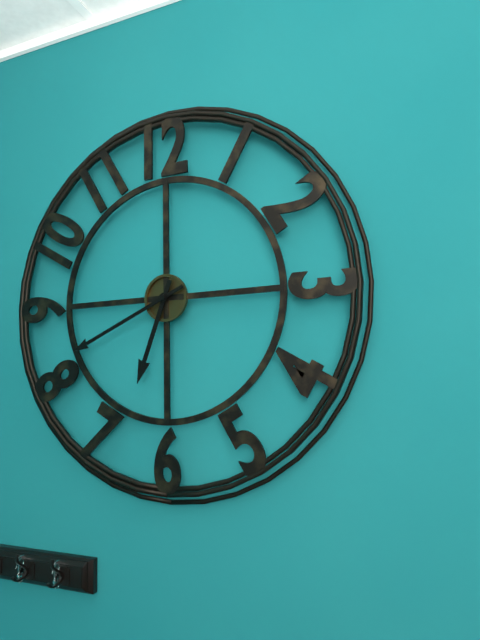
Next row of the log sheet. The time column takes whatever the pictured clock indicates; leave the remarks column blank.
6:41
